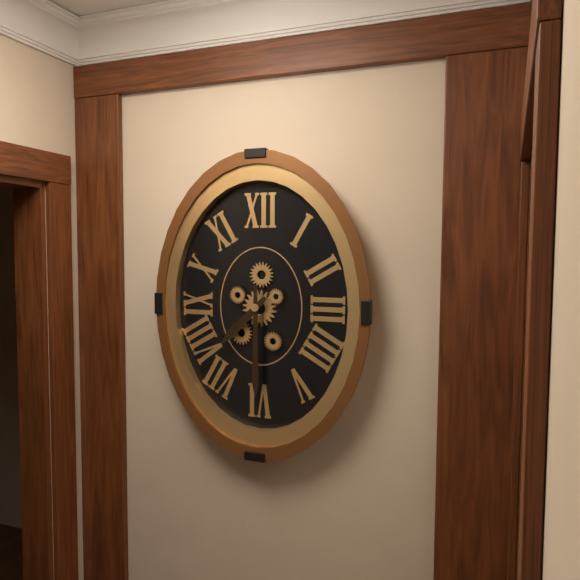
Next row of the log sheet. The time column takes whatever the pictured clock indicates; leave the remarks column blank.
7:30
